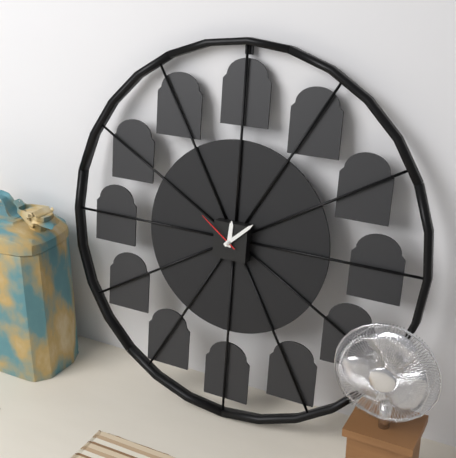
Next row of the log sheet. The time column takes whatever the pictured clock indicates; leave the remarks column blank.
12:08
